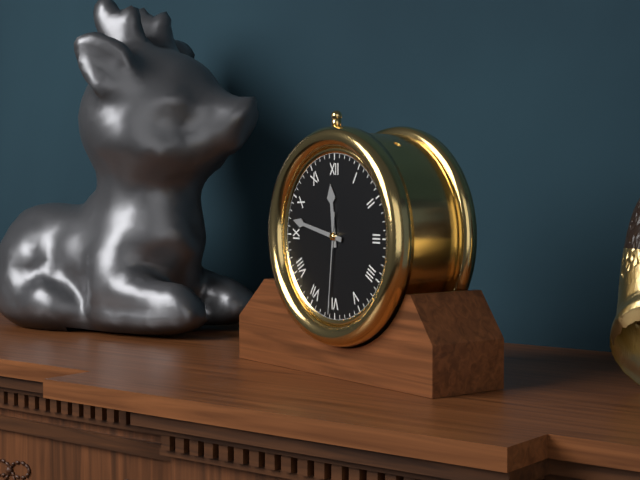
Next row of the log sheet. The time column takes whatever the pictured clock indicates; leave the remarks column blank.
11:47:31
